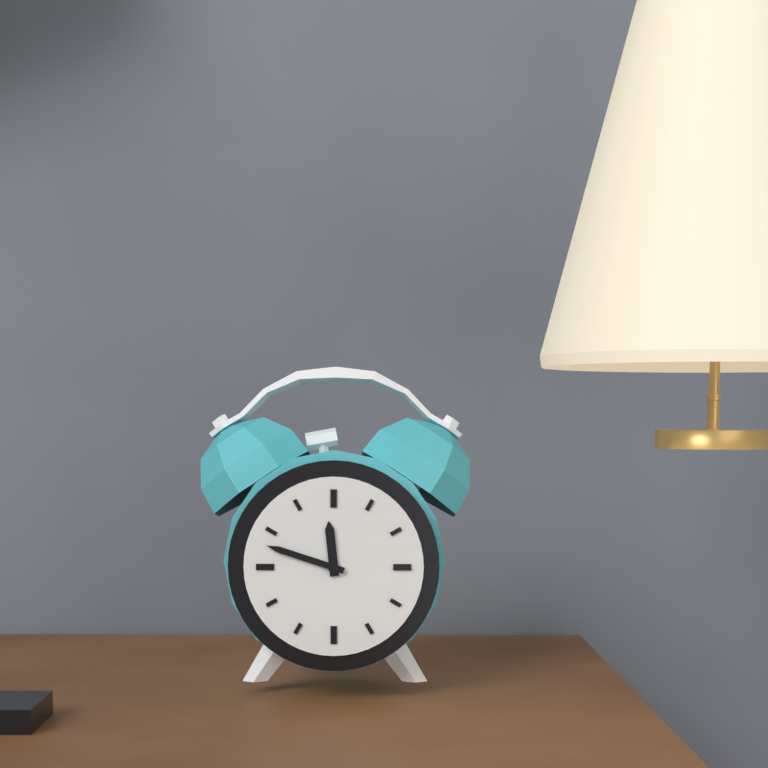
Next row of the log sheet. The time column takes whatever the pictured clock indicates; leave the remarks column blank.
11:48
